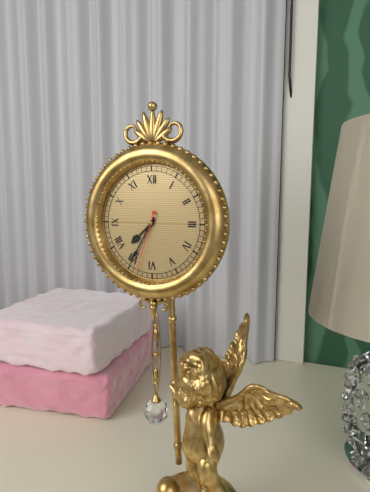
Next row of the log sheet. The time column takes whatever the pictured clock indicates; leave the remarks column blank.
7:35:33
